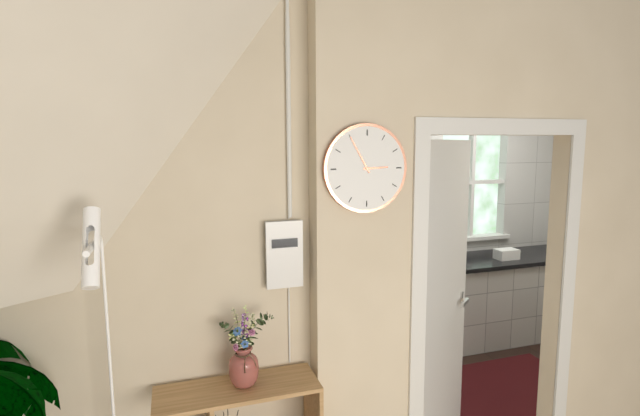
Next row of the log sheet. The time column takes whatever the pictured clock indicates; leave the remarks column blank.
2:55
